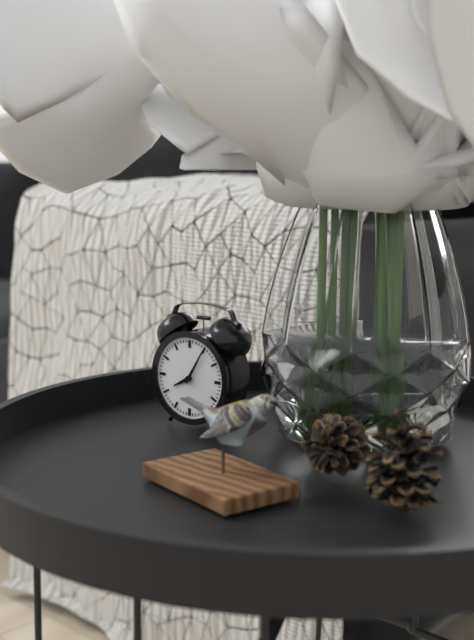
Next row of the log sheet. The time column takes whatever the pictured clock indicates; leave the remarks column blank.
8:05
